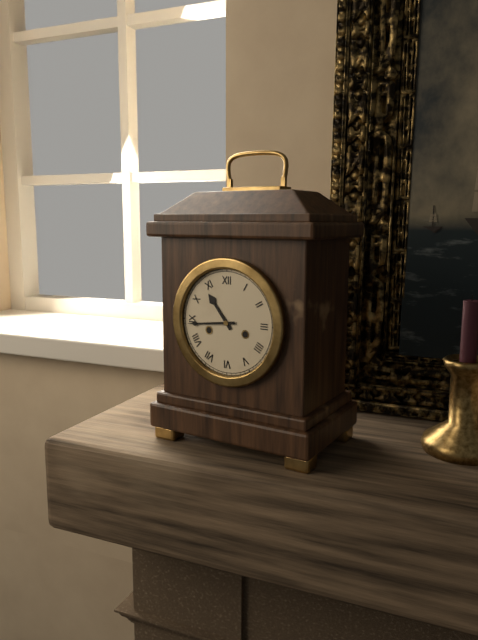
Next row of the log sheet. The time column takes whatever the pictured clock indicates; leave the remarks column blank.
10:44
